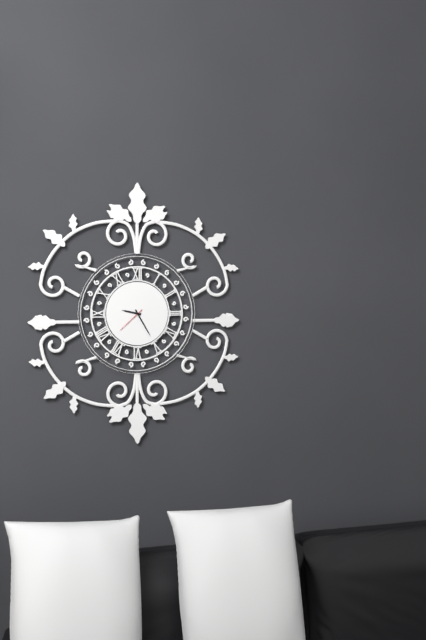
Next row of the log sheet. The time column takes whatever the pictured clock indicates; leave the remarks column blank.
9:25
